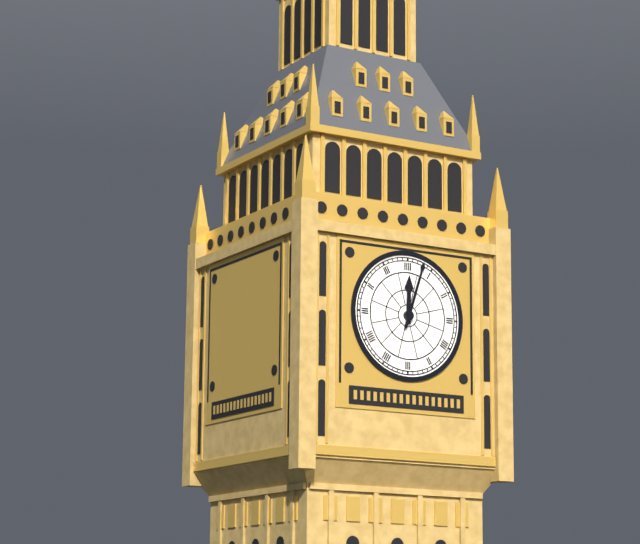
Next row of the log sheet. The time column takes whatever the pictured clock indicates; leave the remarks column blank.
12:03
